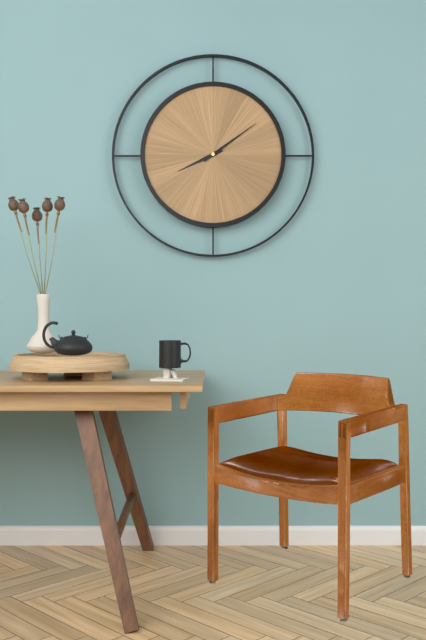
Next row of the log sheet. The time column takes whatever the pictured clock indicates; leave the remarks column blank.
8:09
